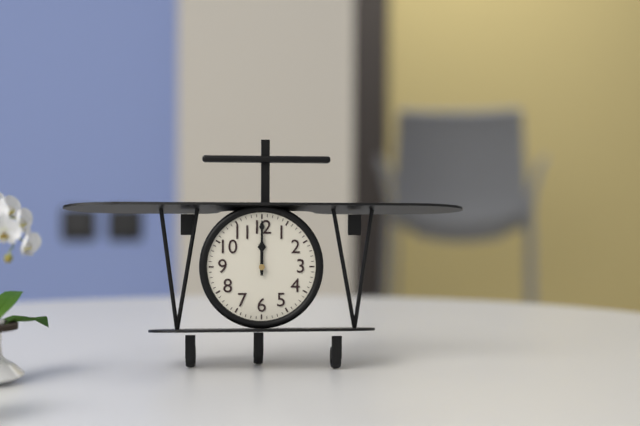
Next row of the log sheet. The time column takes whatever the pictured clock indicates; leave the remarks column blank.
12:00
